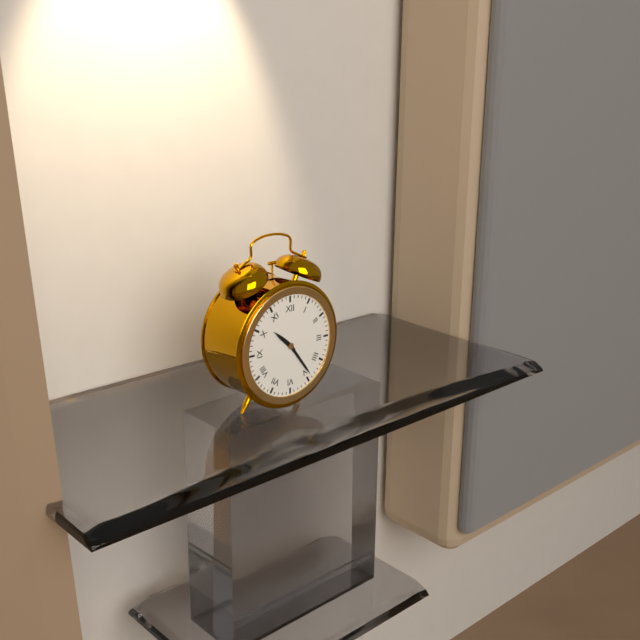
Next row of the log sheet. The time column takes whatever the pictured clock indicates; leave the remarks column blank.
10:24
